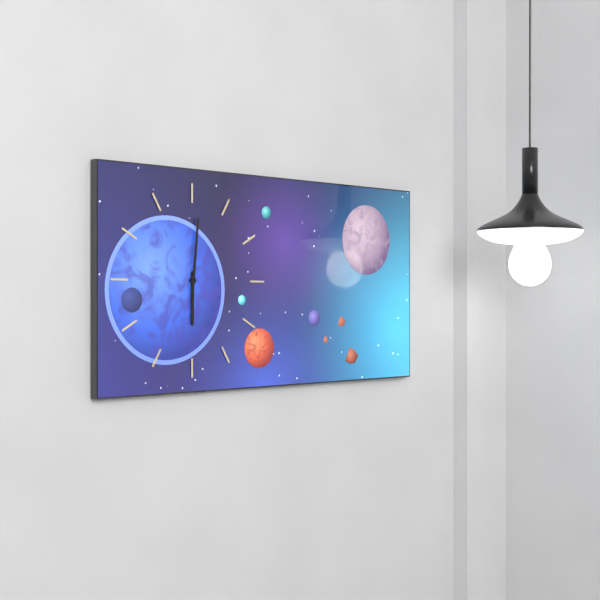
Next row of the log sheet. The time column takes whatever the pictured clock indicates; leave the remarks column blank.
6:01
